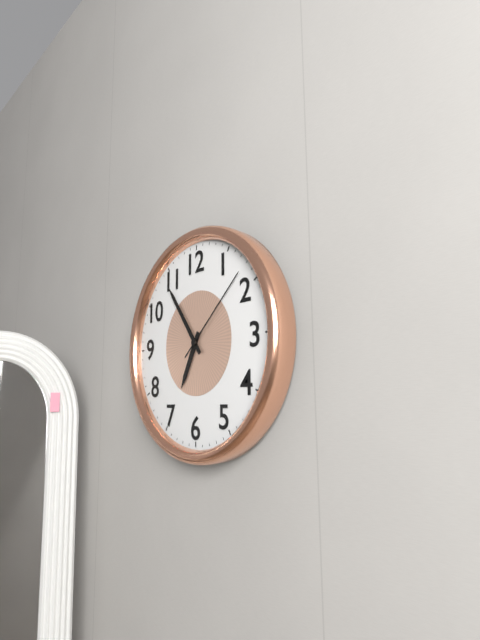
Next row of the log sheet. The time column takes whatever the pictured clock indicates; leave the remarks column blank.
6:54:08
